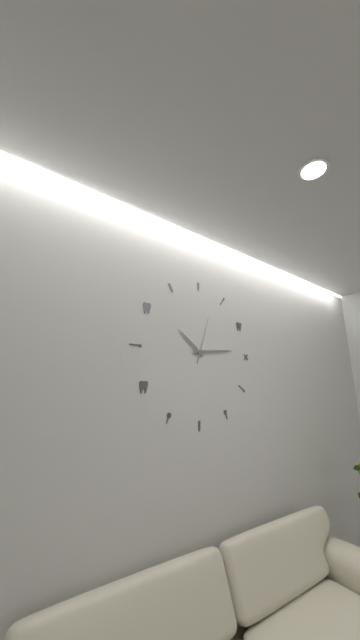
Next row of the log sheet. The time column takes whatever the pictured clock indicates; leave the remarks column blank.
10:14
